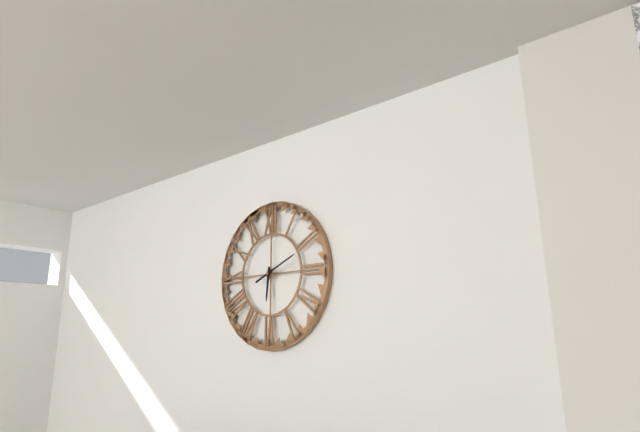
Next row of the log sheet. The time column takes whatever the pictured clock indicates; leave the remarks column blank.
6:11
